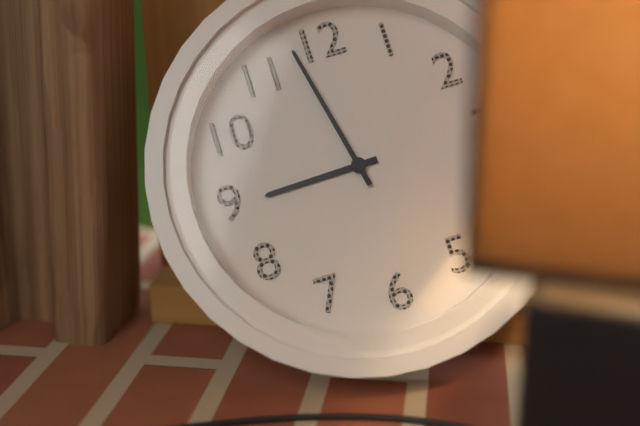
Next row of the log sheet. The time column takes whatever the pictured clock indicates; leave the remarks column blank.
8:58
